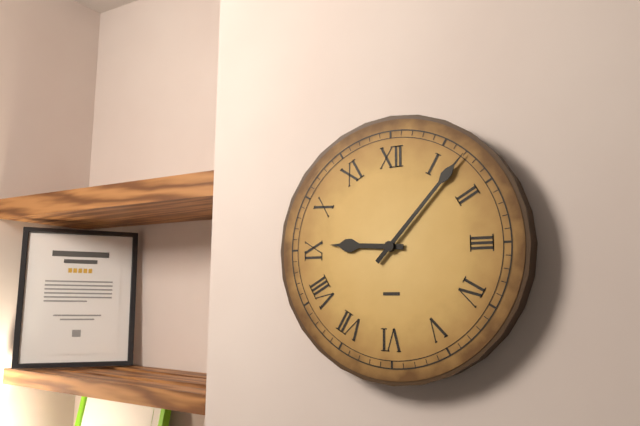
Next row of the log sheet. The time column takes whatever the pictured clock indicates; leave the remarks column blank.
9:07
